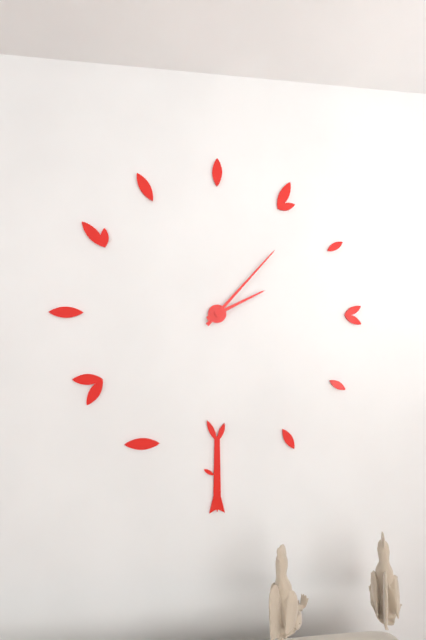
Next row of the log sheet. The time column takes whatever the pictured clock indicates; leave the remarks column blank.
2:07
